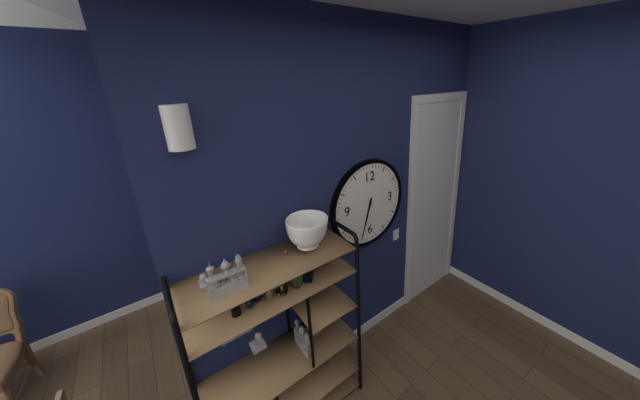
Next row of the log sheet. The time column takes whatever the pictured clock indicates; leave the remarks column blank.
6:33
